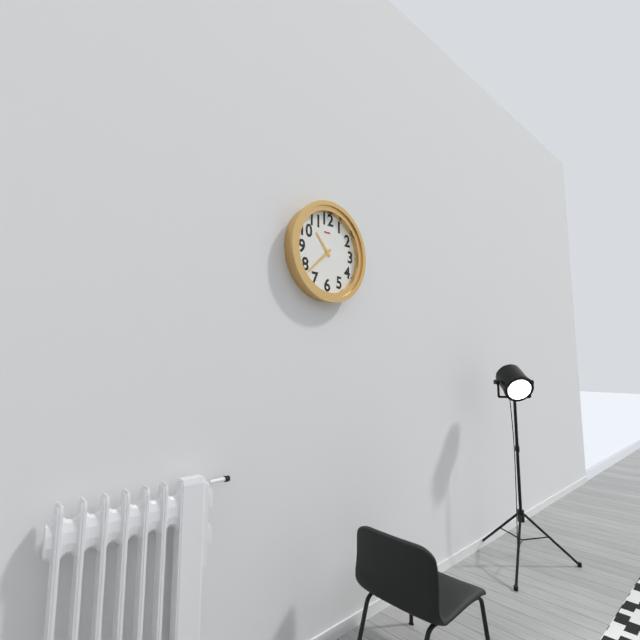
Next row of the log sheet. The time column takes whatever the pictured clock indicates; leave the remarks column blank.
10:38
